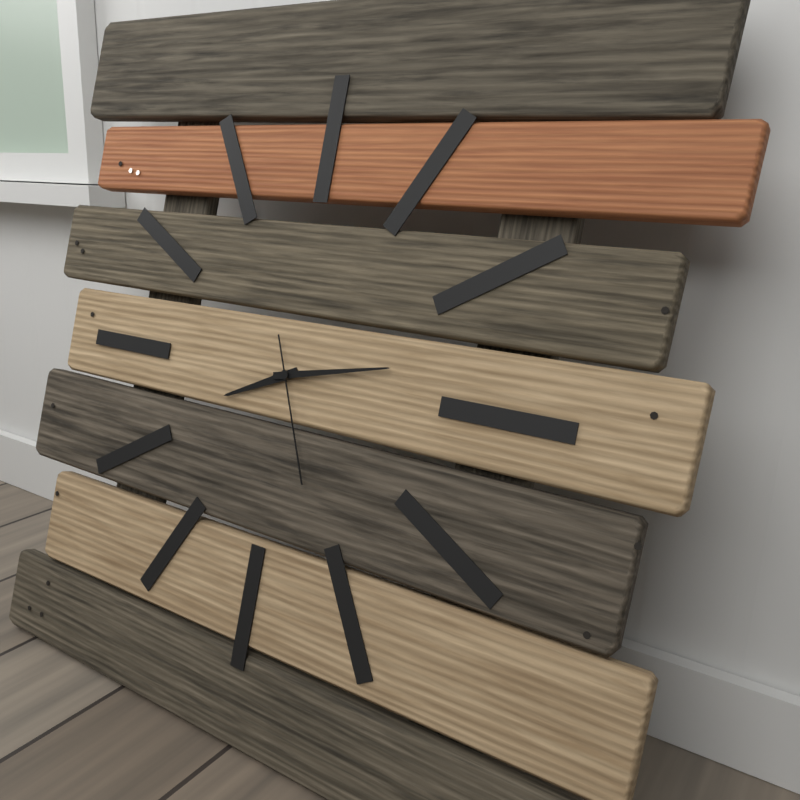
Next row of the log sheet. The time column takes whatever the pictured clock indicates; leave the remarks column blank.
8:13:26
